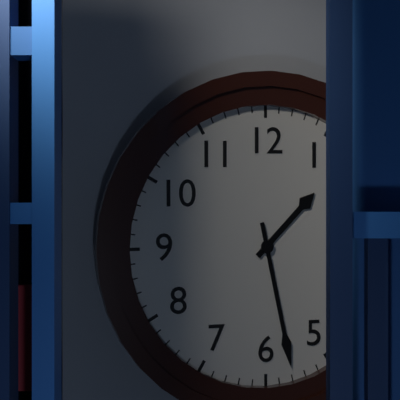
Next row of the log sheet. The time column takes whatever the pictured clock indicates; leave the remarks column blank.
1:28
